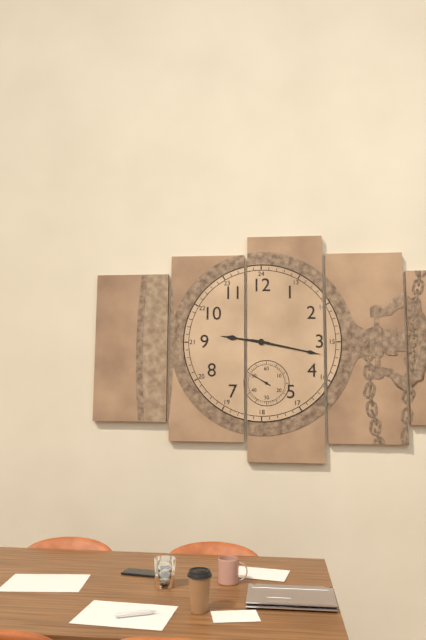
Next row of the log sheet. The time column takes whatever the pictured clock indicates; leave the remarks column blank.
9:17
